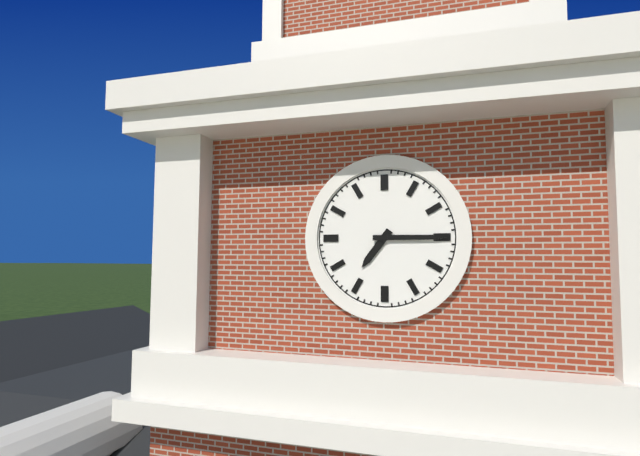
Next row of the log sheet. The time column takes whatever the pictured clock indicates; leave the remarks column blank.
7:15
